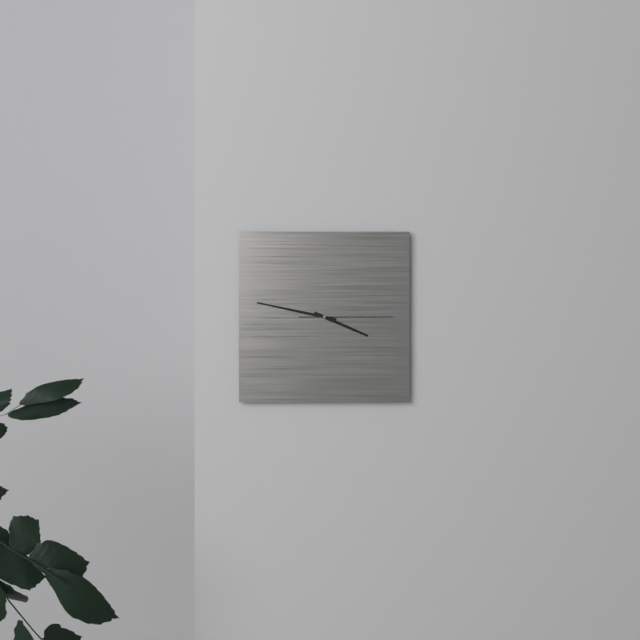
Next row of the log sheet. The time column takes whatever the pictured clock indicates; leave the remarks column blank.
3:47:15
